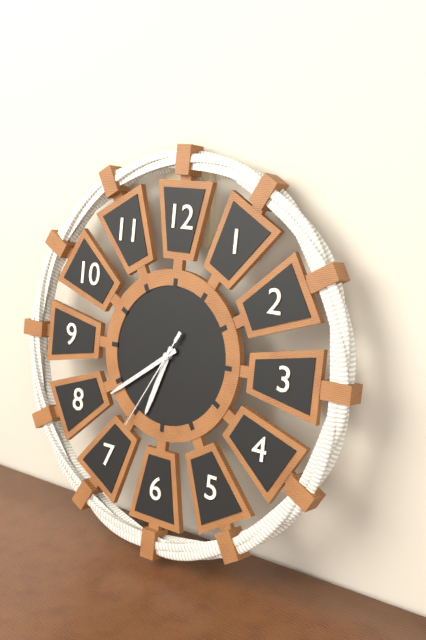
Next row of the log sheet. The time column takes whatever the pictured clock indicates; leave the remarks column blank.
6:39:35
